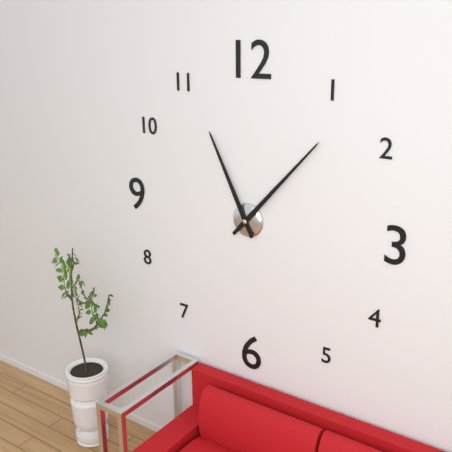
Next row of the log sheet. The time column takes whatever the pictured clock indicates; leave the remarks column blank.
11:07
